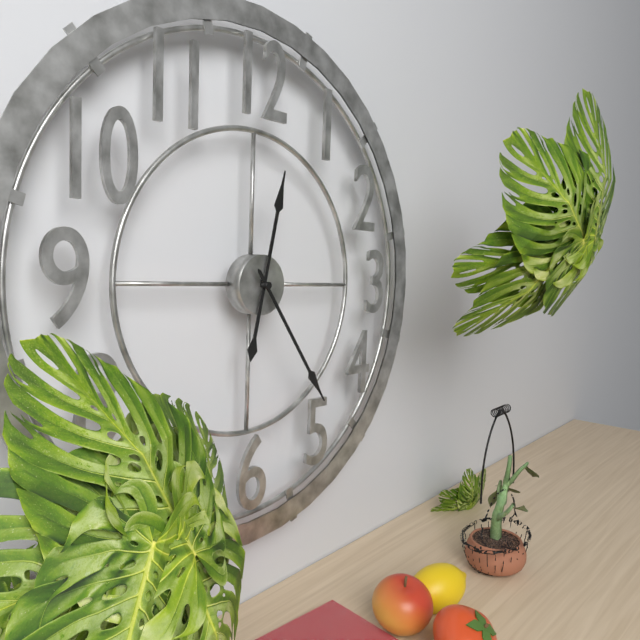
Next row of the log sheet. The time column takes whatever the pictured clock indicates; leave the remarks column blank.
12:24
